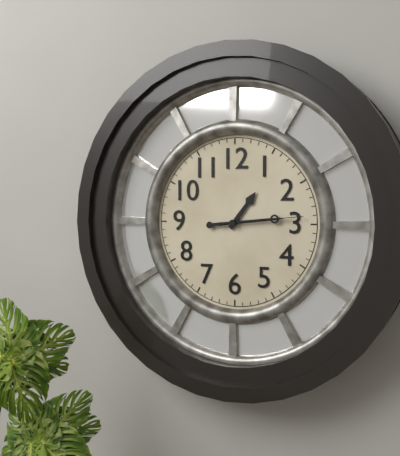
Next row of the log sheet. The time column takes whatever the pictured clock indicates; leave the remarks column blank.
1:14:14
